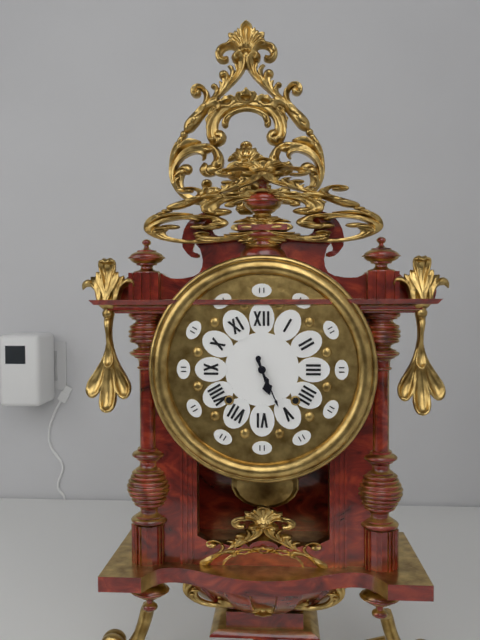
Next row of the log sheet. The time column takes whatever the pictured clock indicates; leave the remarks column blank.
5:26
